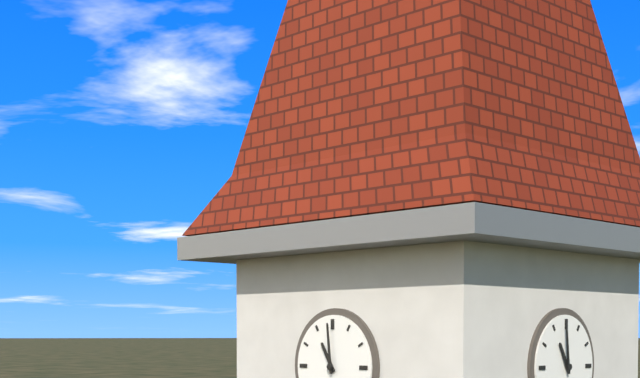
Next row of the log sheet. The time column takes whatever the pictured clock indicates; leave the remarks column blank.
10:59
